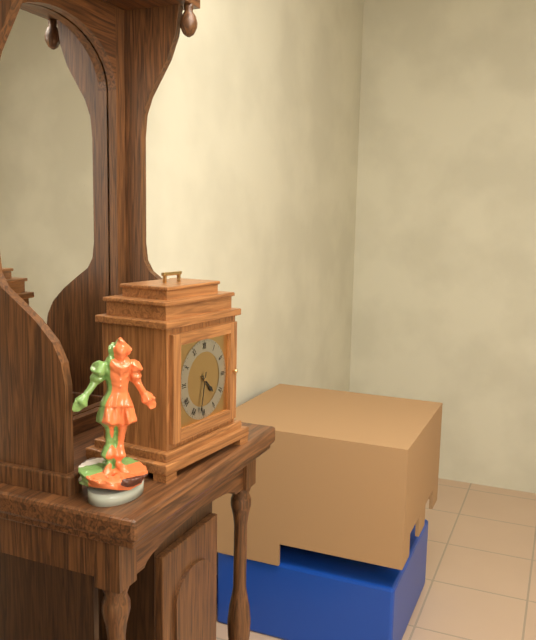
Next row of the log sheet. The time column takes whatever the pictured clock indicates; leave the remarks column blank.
4:32
